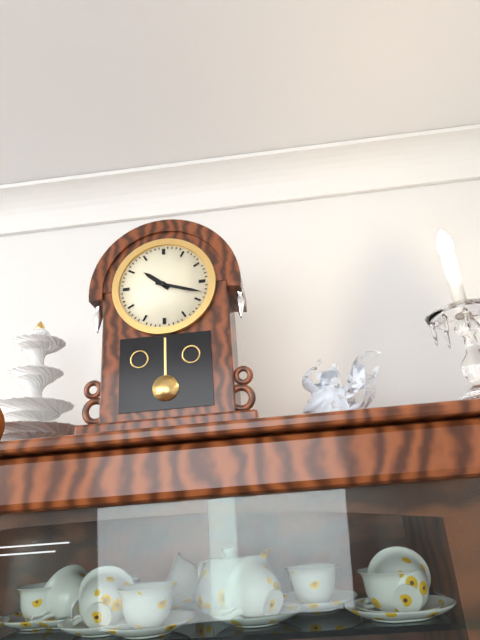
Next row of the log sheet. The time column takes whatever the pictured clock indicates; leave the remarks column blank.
10:18
